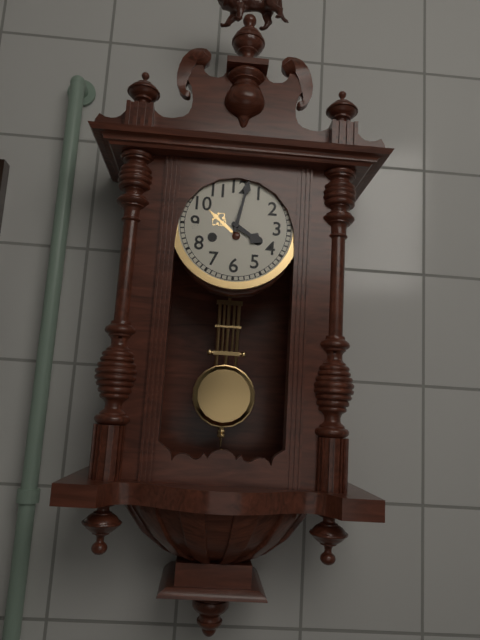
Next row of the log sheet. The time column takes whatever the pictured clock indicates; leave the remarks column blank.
4:02
